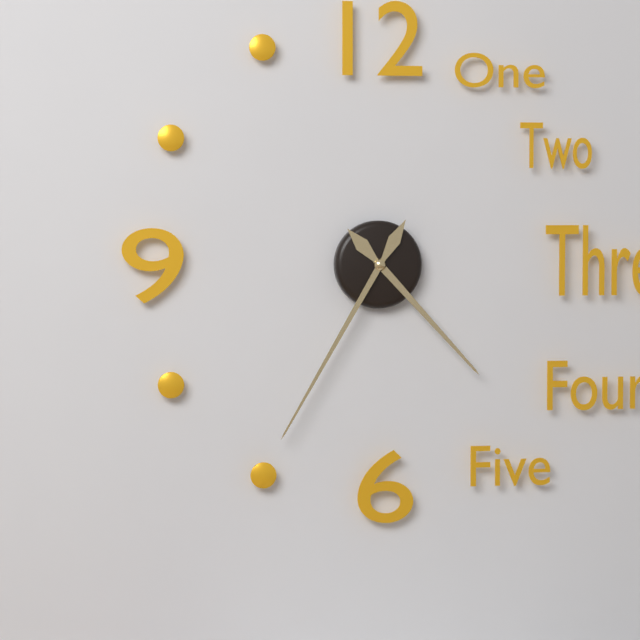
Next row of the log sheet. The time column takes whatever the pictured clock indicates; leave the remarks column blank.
4:35
